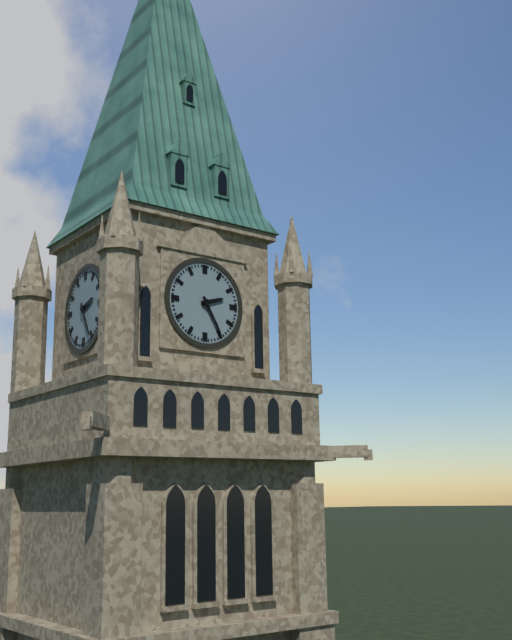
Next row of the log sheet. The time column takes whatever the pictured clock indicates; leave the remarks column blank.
2:25
